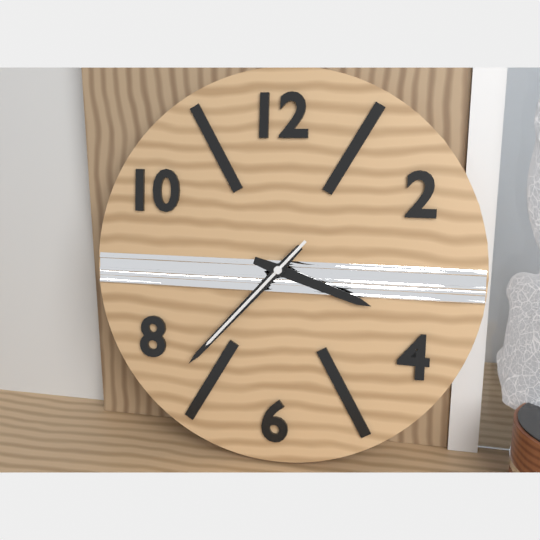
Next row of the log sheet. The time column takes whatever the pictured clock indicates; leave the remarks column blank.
3:37:37
